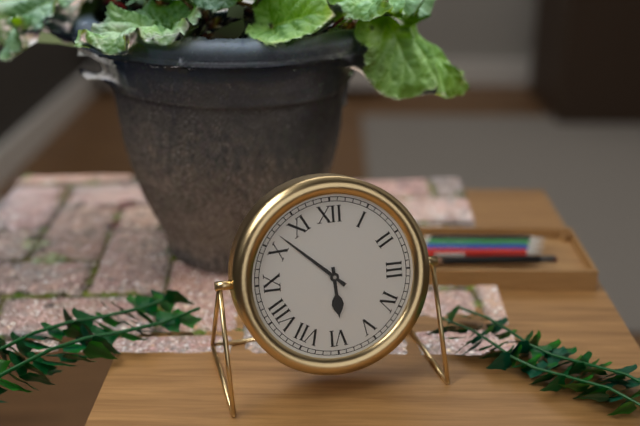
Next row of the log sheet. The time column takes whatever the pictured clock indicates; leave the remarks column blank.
5:52
